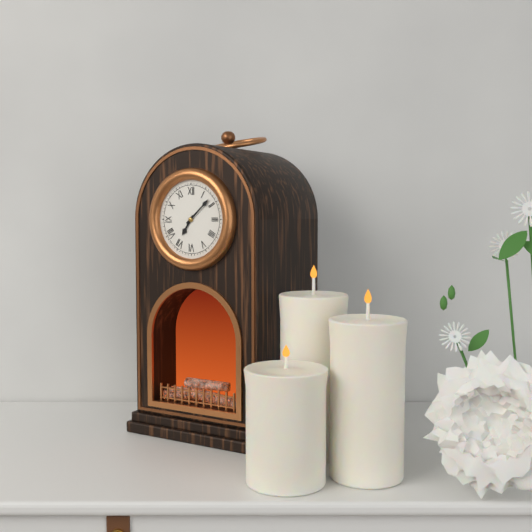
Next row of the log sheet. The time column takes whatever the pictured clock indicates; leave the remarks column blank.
7:08
